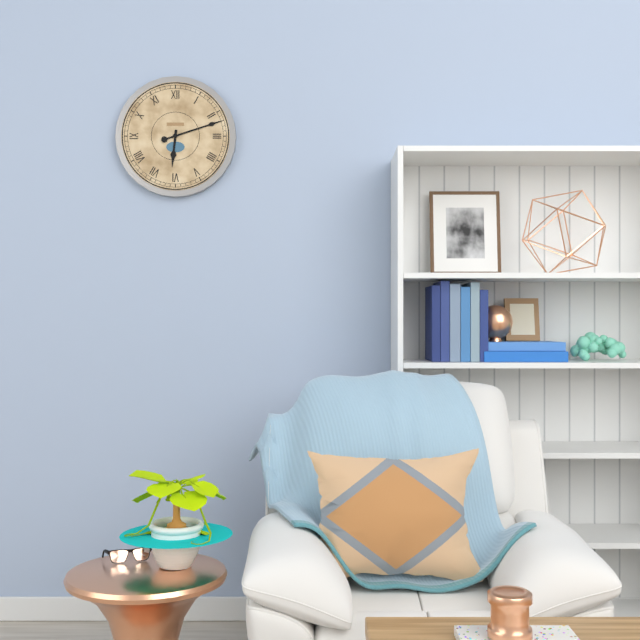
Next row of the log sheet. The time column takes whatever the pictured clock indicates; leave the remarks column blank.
6:12
